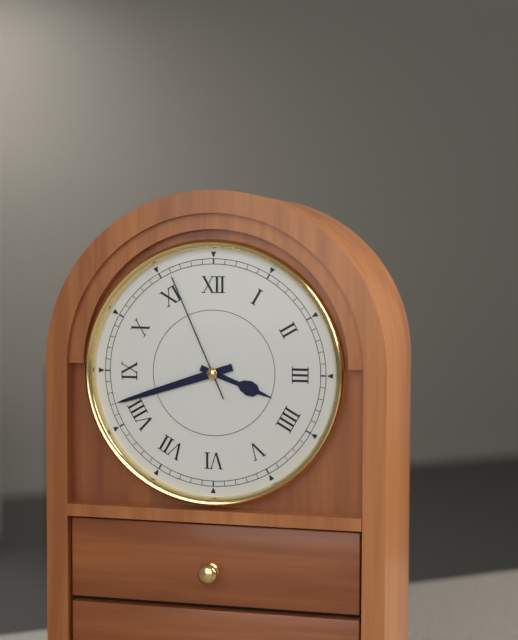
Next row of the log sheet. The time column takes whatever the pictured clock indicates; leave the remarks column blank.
3:42:56
